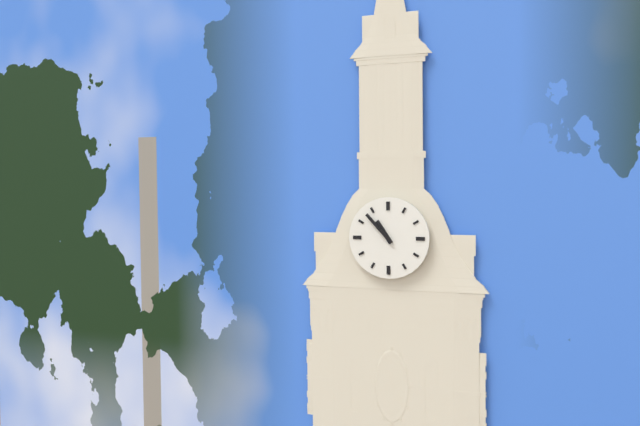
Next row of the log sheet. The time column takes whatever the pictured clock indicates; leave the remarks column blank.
10:53
